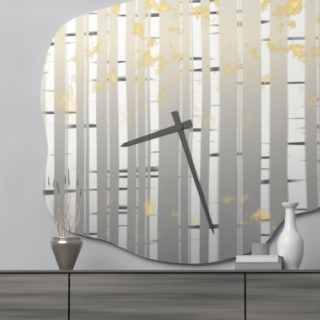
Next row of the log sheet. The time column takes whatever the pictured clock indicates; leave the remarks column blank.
8:27
